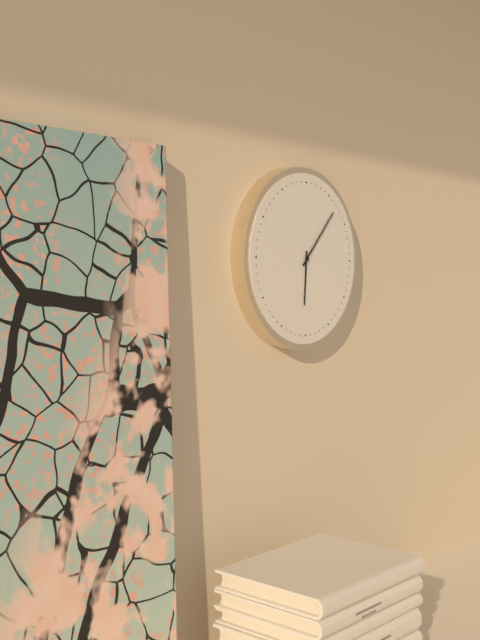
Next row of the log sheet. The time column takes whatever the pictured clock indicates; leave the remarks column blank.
6:07
